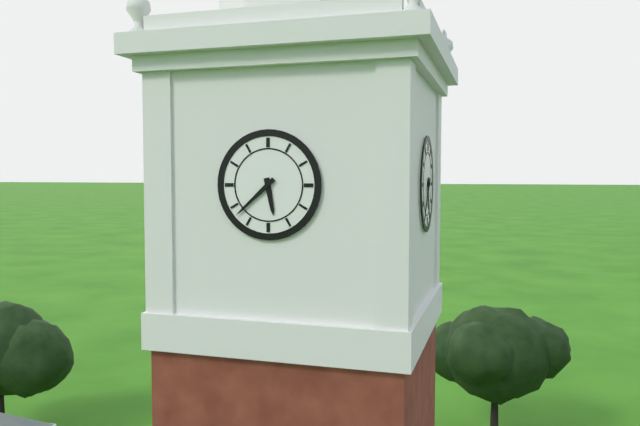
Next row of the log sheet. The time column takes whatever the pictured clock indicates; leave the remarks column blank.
5:38
